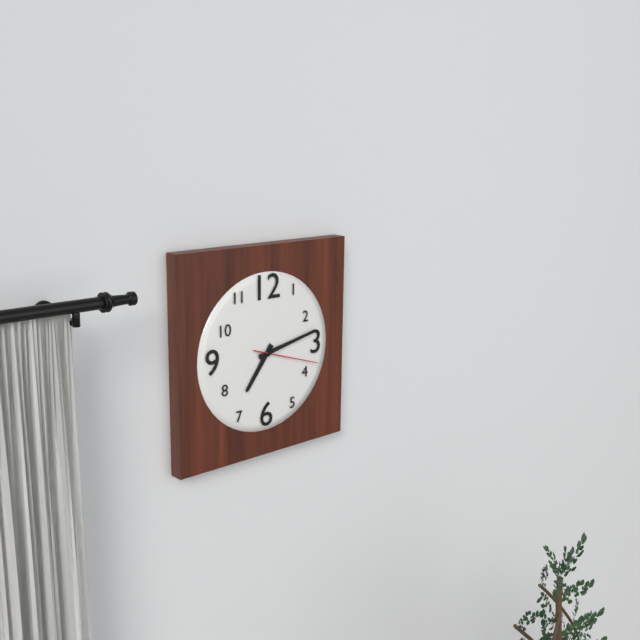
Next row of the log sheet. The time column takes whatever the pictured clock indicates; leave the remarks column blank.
7:13:18
